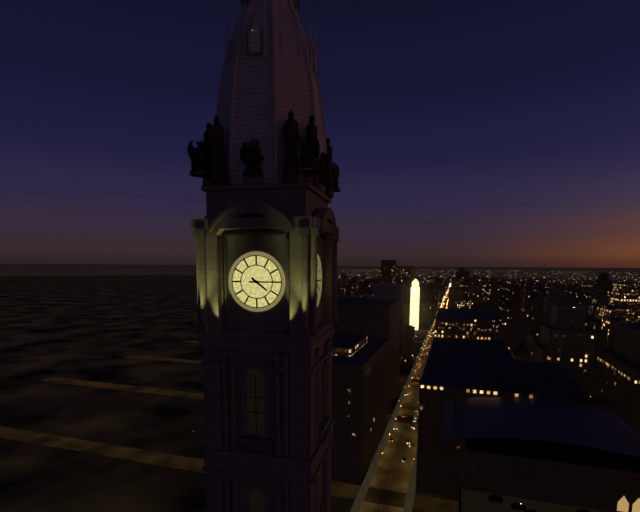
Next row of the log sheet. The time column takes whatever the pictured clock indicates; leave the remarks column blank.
4:15
